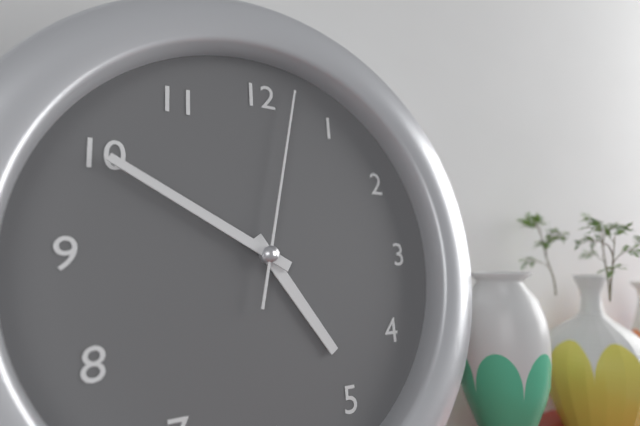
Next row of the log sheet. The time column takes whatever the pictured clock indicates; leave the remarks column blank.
4:50:02
